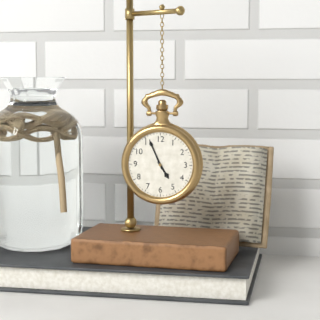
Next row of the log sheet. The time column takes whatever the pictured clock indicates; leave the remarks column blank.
4:56
